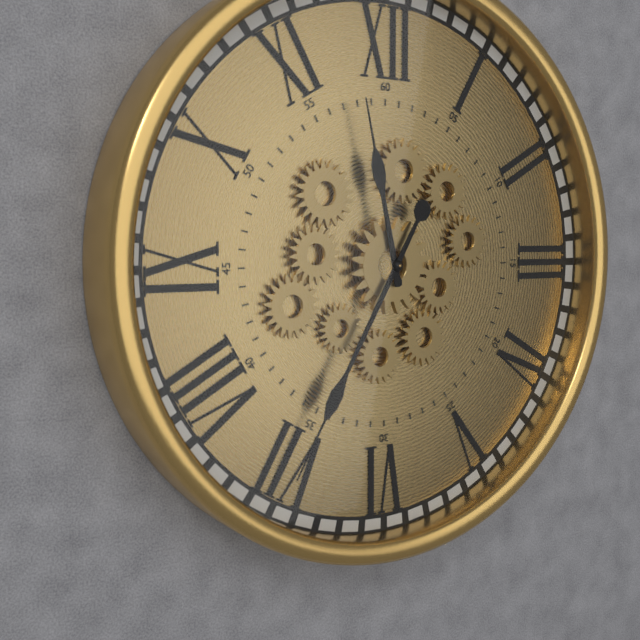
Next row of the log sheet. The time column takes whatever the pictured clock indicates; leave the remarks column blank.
11:35
